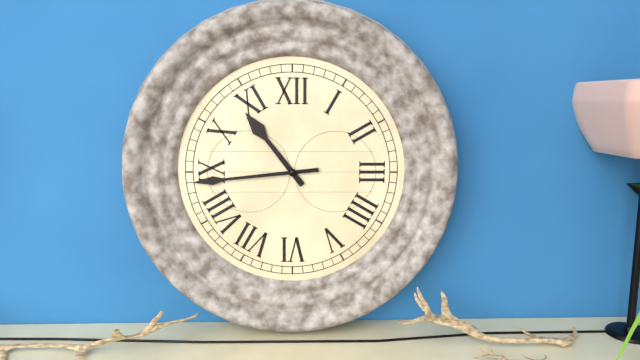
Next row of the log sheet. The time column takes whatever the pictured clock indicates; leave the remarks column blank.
10:44
